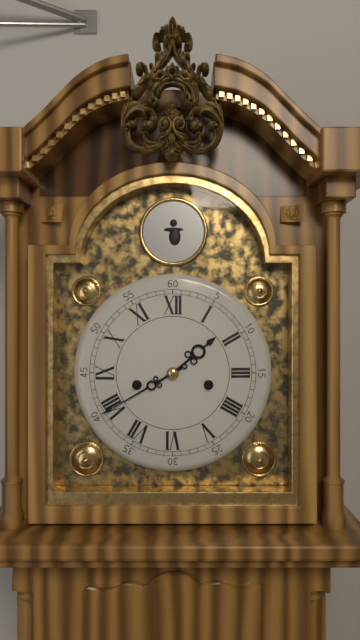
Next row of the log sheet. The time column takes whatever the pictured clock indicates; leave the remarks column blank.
1:40
